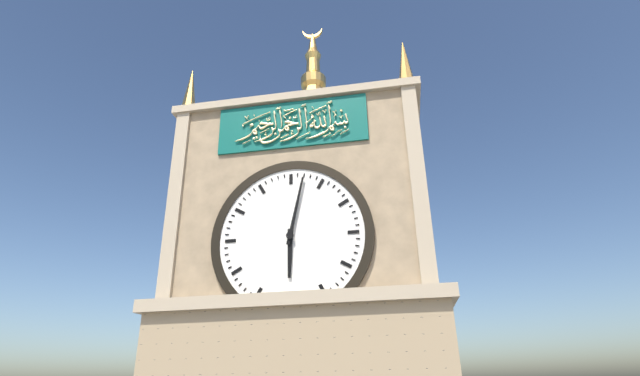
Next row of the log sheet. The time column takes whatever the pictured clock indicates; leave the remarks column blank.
6:02
